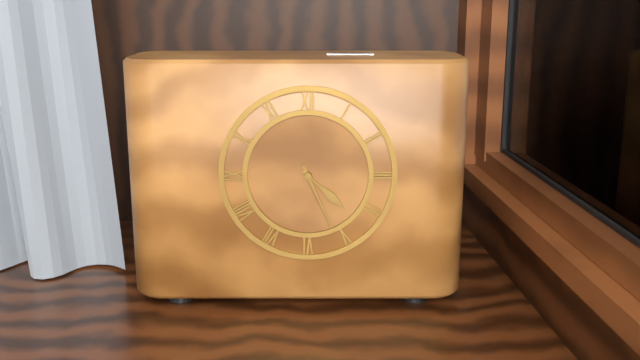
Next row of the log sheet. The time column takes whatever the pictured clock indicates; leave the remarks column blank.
4:26
